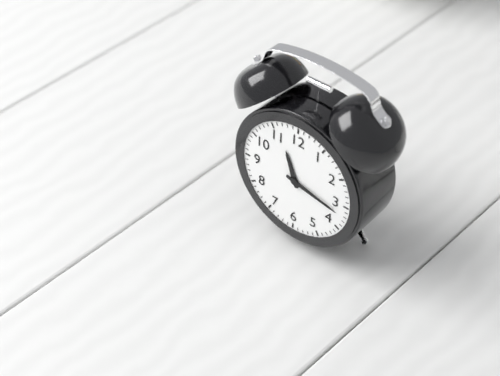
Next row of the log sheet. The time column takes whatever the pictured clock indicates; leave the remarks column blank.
11:17
